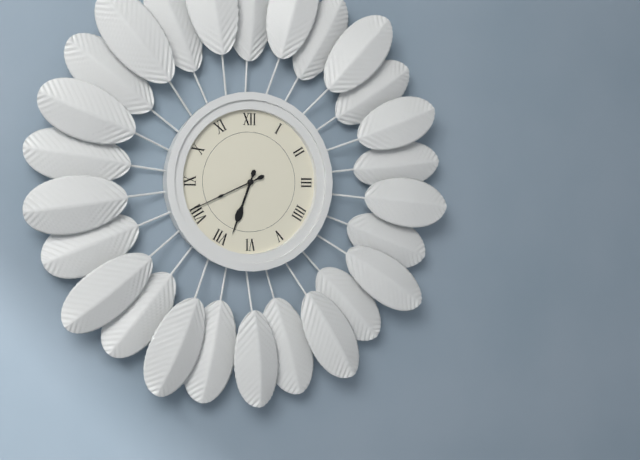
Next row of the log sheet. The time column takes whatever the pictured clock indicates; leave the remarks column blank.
6:41
